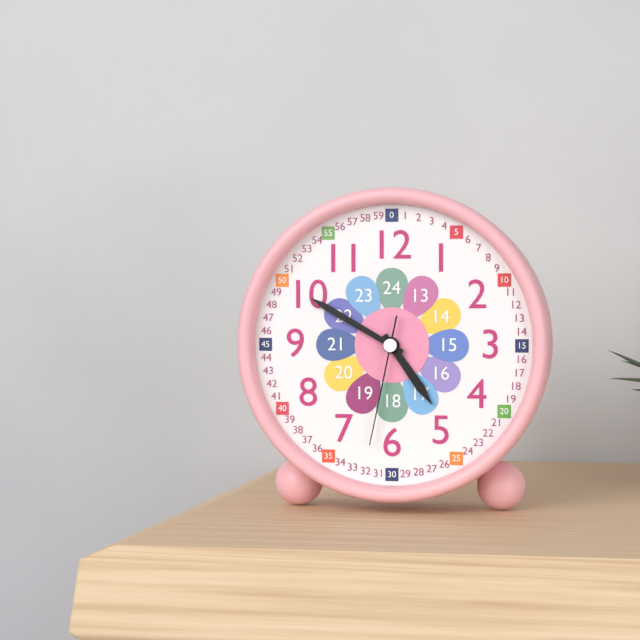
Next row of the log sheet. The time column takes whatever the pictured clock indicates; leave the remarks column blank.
4:50:32
